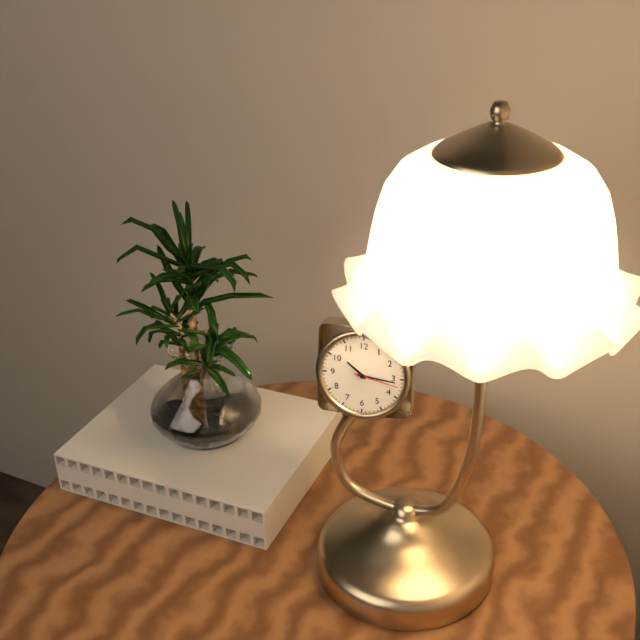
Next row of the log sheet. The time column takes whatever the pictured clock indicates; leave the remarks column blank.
10:16
